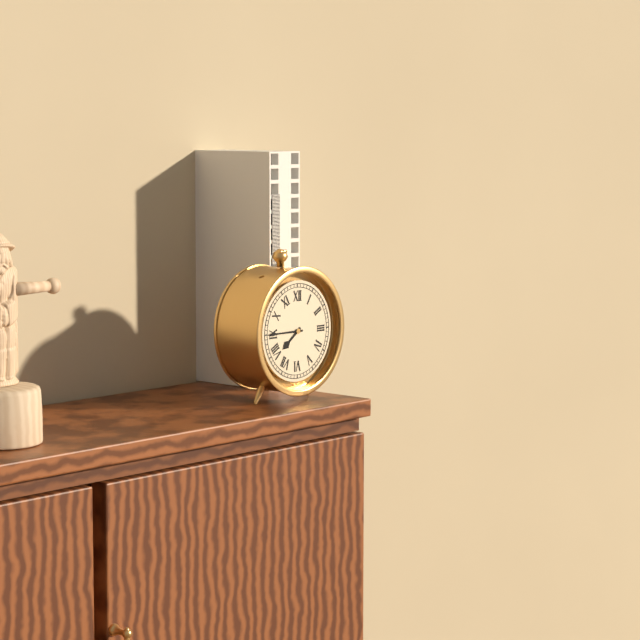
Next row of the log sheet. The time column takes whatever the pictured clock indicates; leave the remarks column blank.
7:45
